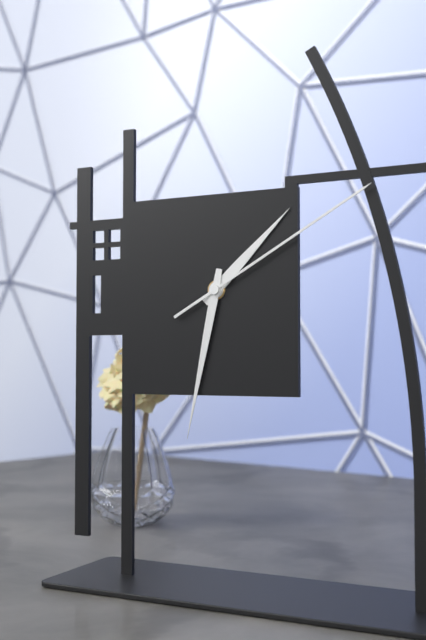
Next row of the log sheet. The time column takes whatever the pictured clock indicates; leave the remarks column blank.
1:32:10
